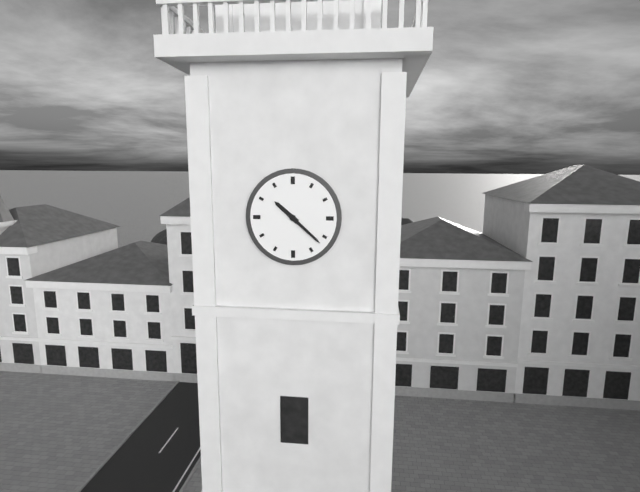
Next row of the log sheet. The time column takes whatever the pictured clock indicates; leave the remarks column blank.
10:22
